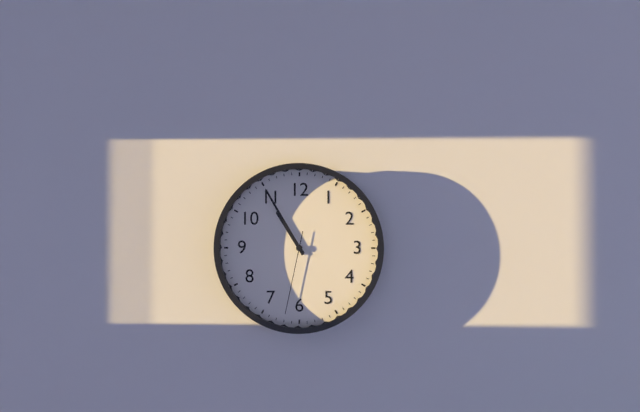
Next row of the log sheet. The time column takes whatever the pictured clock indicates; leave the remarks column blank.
10:55:32
